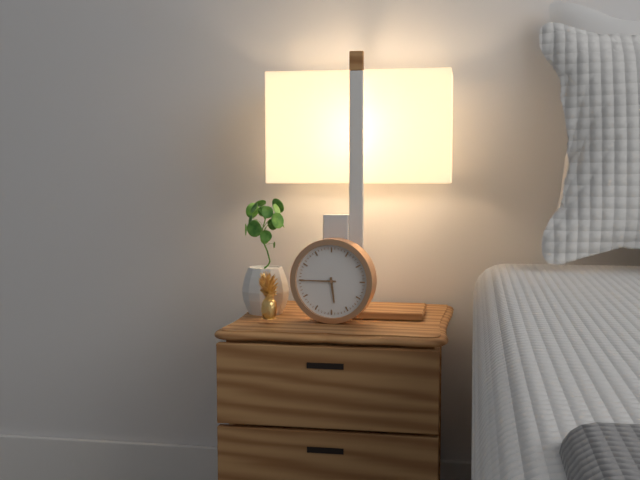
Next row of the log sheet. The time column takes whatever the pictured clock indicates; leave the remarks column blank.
5:45
